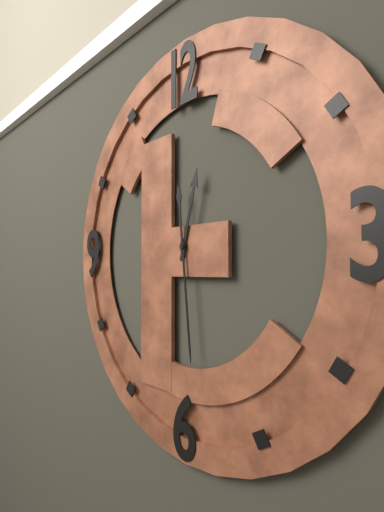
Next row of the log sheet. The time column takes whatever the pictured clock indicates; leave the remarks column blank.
12:29
